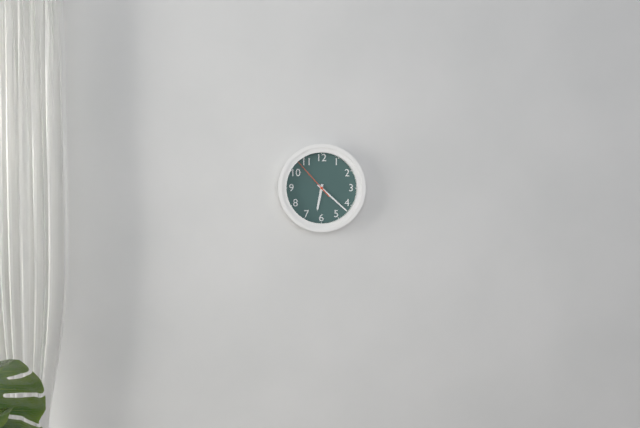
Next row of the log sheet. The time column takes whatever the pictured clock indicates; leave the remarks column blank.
6:22
